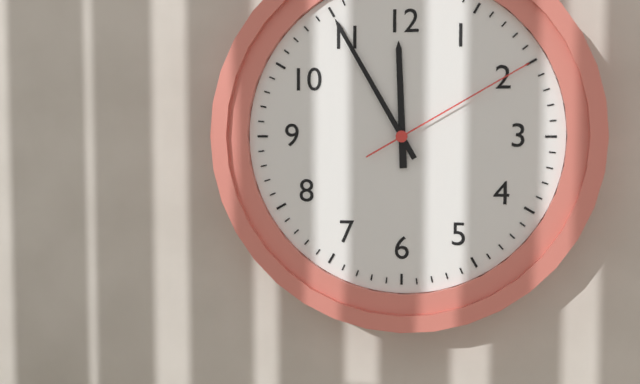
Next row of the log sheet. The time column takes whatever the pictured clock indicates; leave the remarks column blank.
11:55:10
